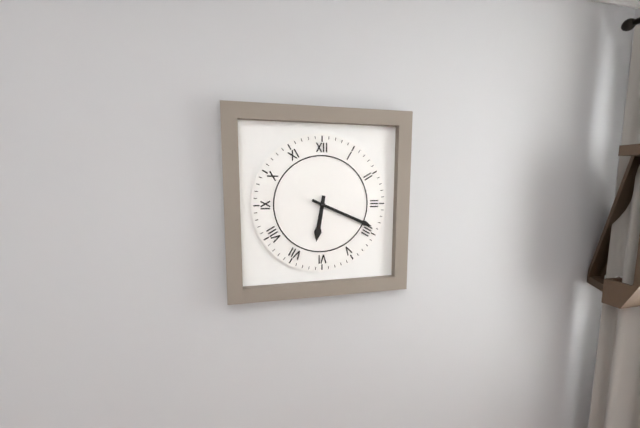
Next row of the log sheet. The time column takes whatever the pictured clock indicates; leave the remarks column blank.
6:19
